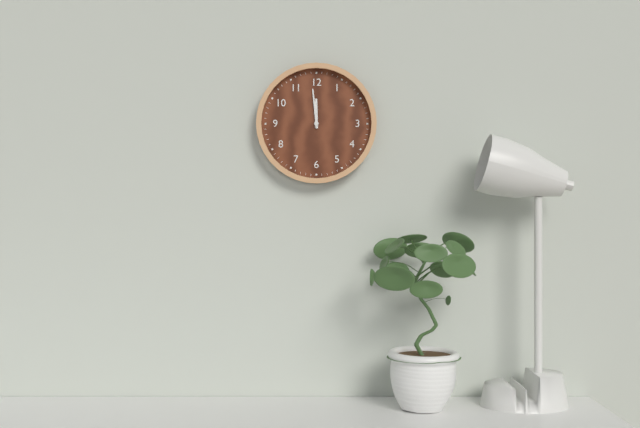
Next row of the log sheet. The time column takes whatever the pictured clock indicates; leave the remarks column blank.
11:59
